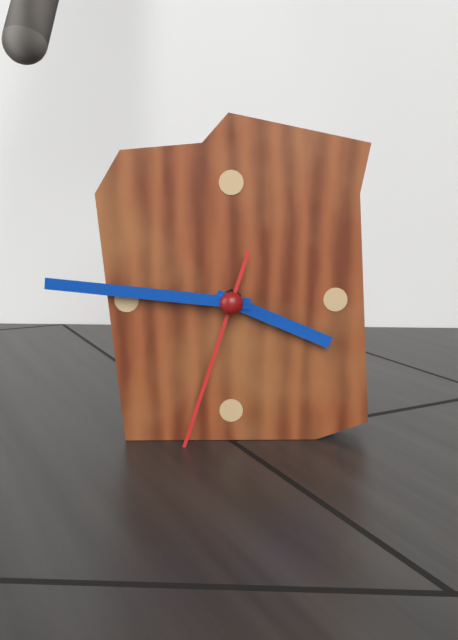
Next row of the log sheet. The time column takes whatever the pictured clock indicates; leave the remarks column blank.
3:46:33
